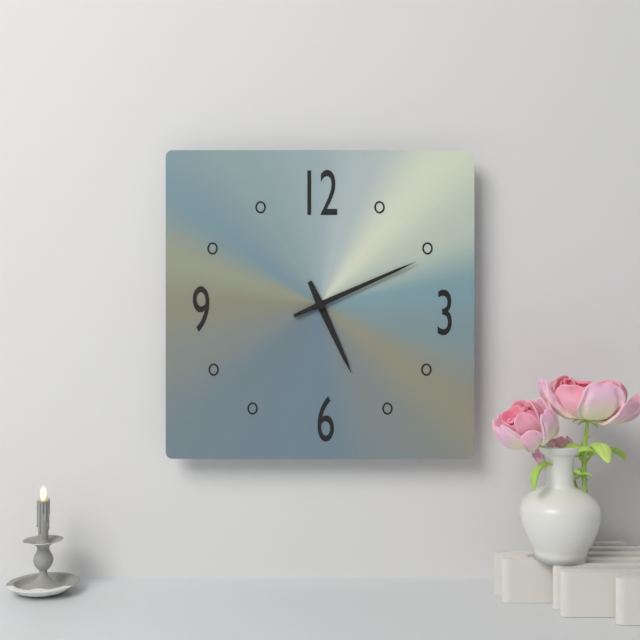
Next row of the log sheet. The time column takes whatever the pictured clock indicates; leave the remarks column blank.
5:11
